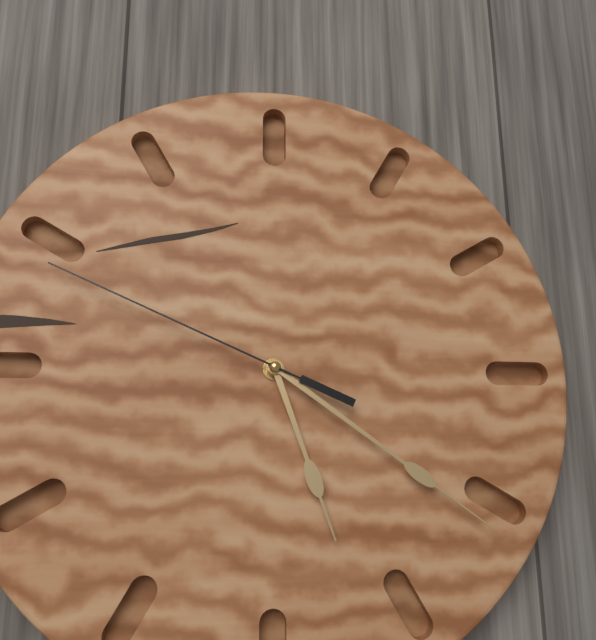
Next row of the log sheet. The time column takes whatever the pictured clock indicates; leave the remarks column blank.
5:21:49
